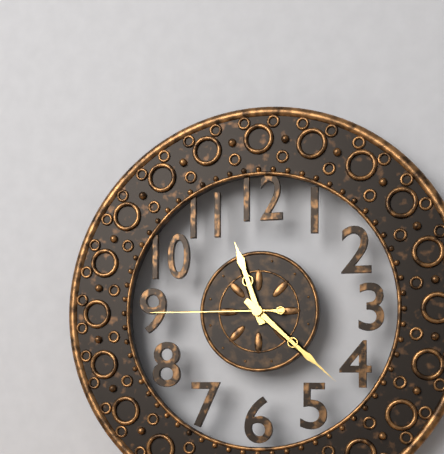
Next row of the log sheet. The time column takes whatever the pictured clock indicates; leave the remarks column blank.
11:22:45
